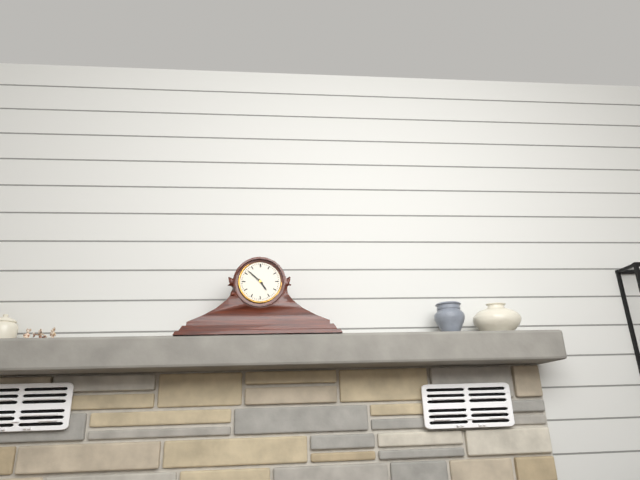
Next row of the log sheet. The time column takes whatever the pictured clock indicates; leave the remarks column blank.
4:52
